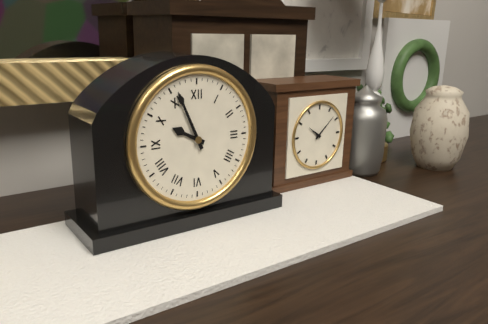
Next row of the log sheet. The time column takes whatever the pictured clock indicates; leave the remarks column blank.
9:56
